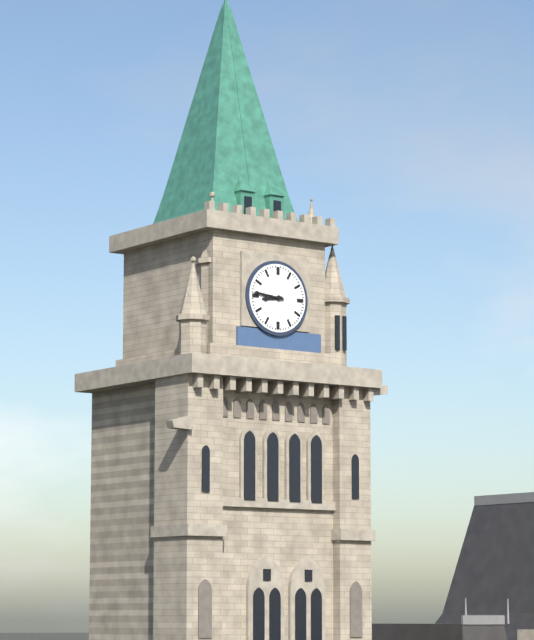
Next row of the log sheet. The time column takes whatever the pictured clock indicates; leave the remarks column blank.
8:46
